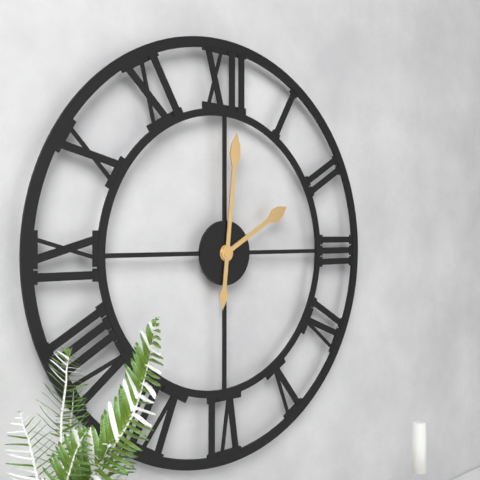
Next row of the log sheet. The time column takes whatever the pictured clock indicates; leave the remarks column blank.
2:01
